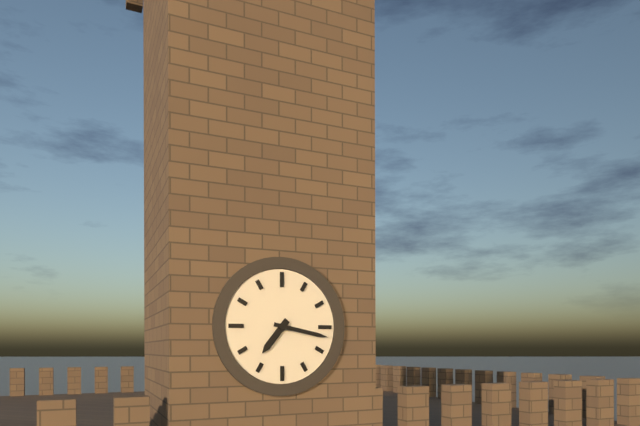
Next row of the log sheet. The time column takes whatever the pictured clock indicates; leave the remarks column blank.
7:17
